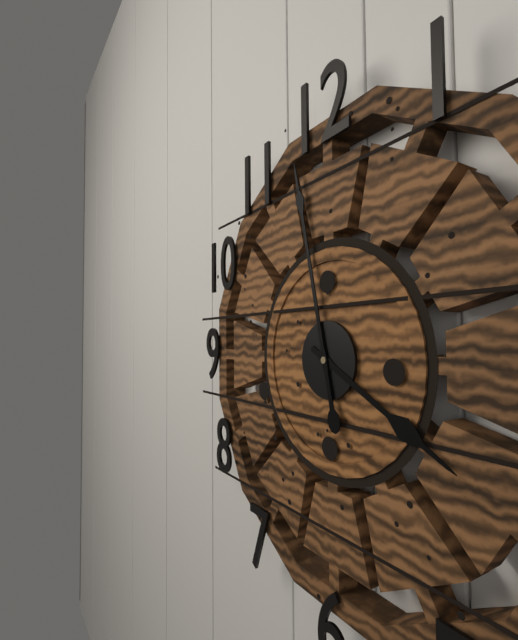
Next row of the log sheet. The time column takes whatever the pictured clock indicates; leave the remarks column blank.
3:58
